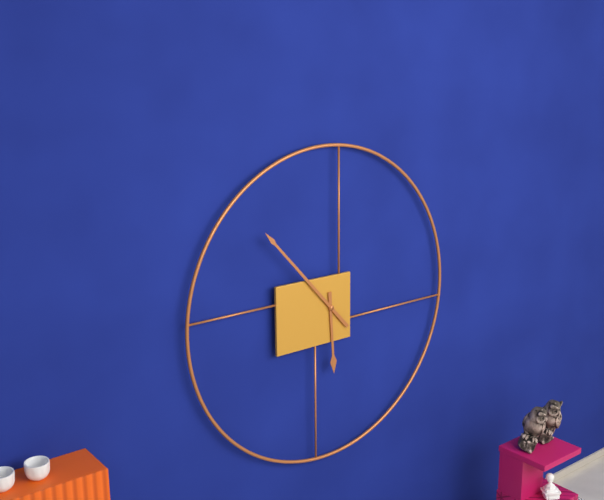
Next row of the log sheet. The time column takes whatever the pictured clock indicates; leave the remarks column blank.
5:53
